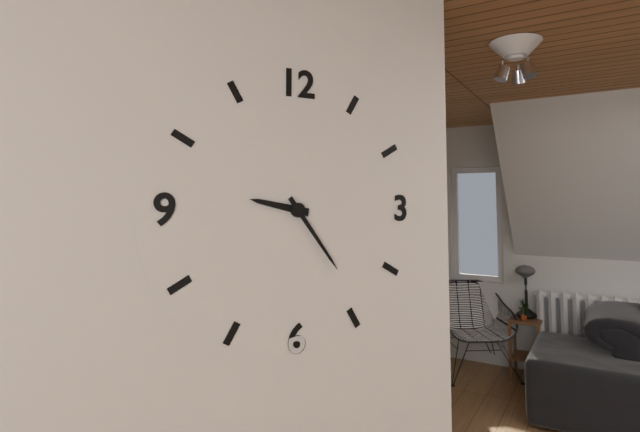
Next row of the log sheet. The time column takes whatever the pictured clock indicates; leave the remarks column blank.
9:24
